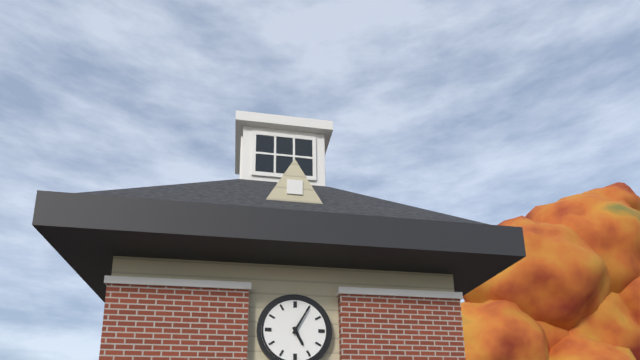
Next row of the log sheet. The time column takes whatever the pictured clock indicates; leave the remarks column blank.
5:05
